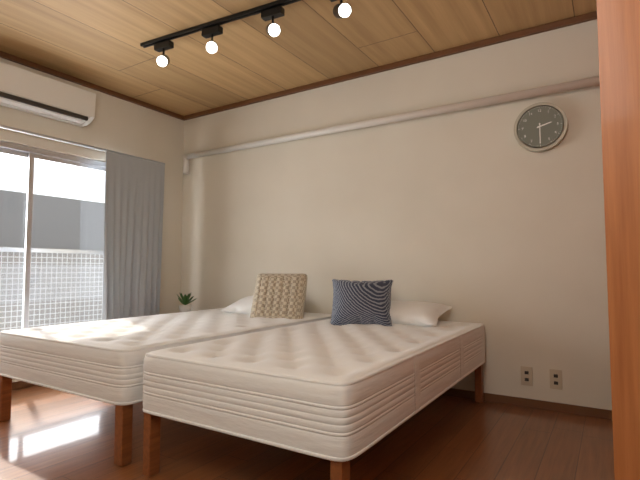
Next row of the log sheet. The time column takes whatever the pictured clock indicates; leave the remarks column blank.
2:30
